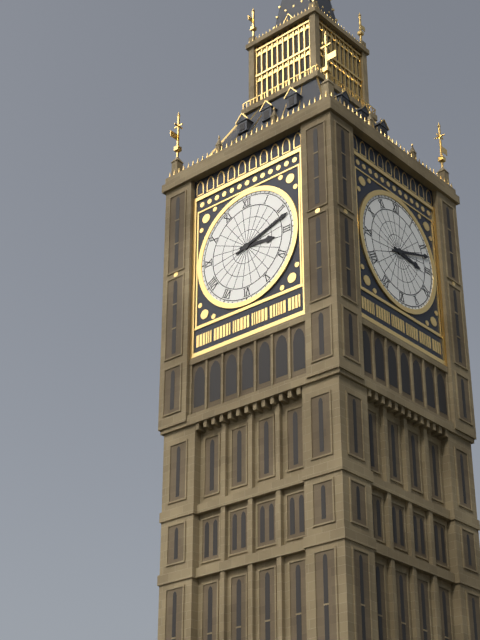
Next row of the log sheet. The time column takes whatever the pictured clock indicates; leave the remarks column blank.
3:12
